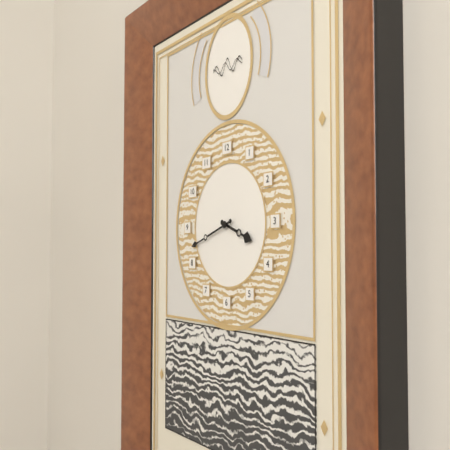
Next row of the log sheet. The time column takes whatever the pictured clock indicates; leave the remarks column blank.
3:42
